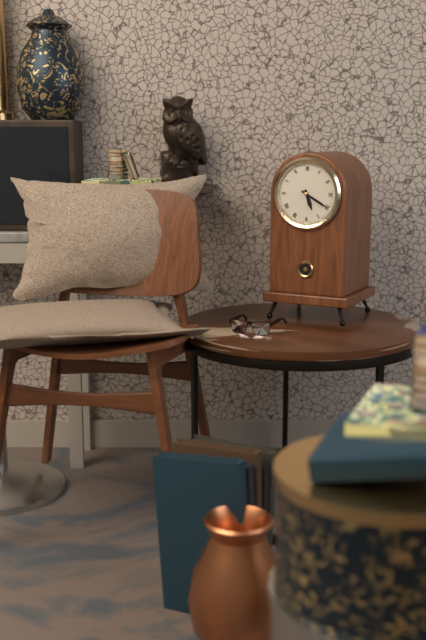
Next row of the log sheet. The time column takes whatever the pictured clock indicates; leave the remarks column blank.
5:20
